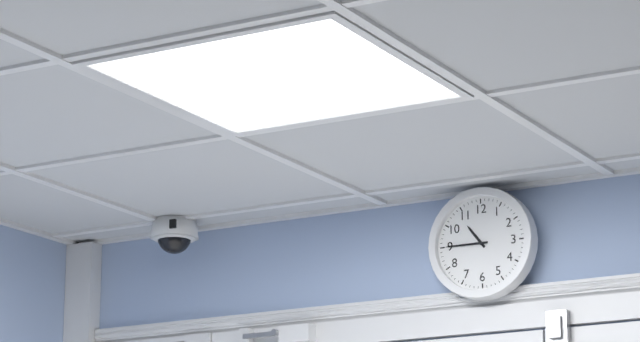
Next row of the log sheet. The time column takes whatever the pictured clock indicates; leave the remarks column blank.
10:45
